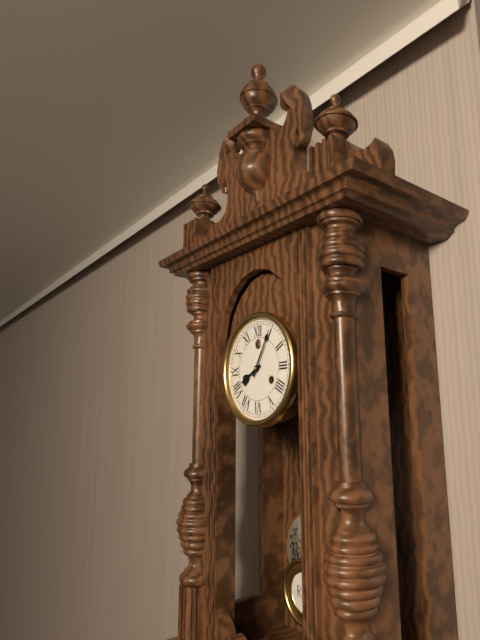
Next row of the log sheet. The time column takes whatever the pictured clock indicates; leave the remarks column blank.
8:05
